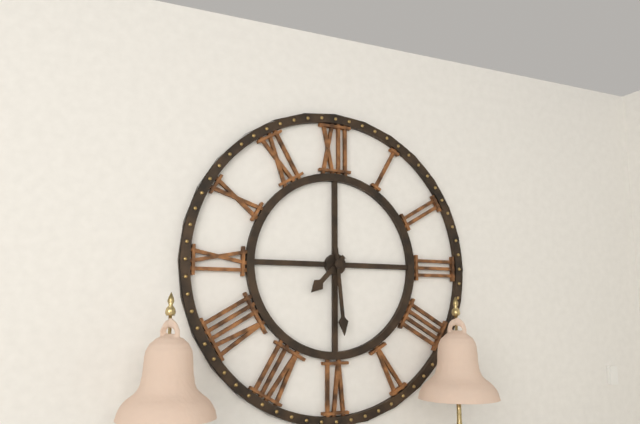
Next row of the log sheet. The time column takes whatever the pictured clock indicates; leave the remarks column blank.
7:29
